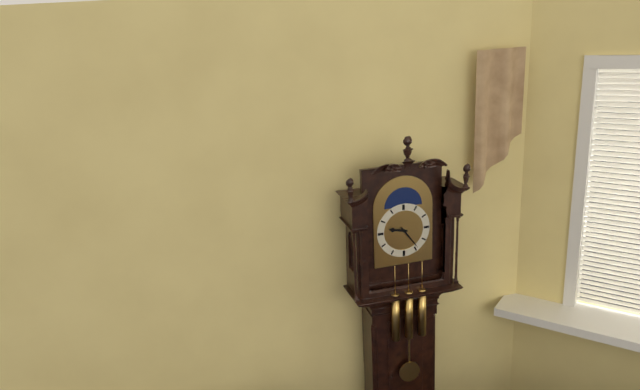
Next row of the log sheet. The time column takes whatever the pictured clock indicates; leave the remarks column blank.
9:24
